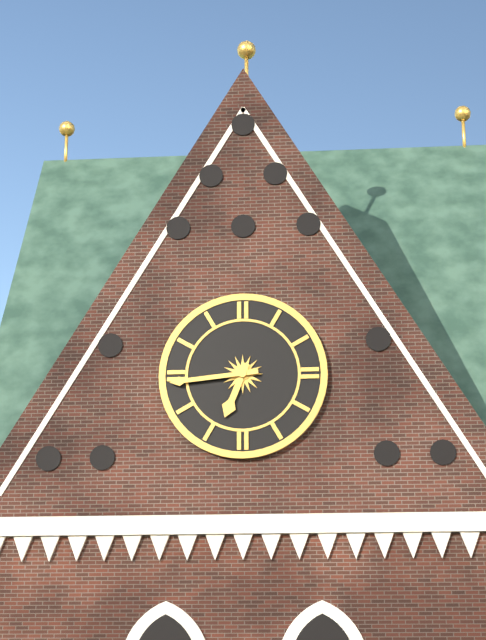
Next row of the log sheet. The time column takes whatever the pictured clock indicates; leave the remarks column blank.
6:44
